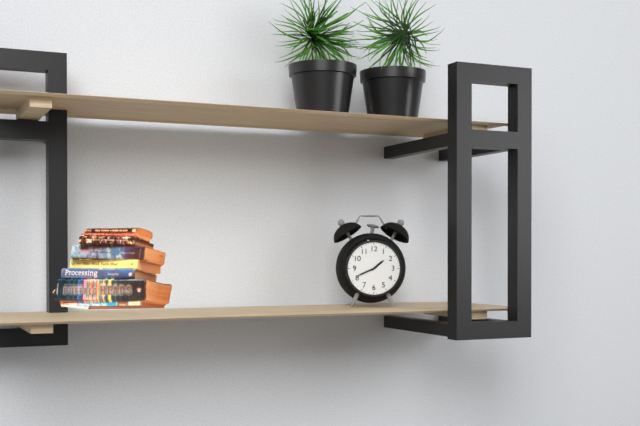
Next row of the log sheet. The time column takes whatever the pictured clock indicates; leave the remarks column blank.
1:41
